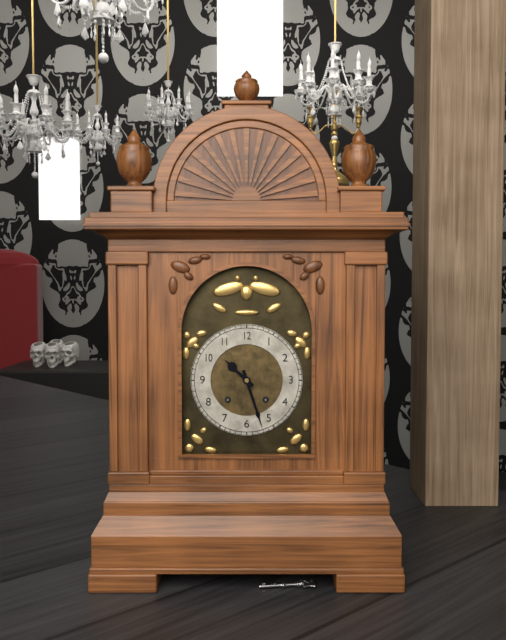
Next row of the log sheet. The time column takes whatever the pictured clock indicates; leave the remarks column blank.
10:27
